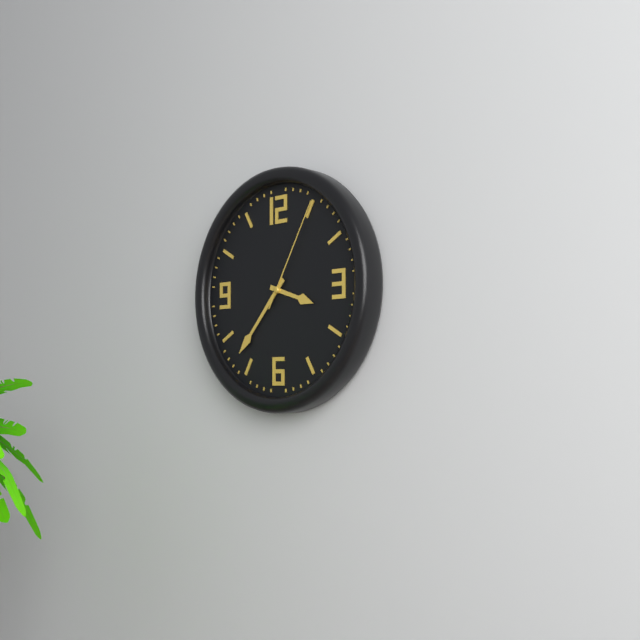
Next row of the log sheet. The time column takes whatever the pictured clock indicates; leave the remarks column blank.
3:37:05
